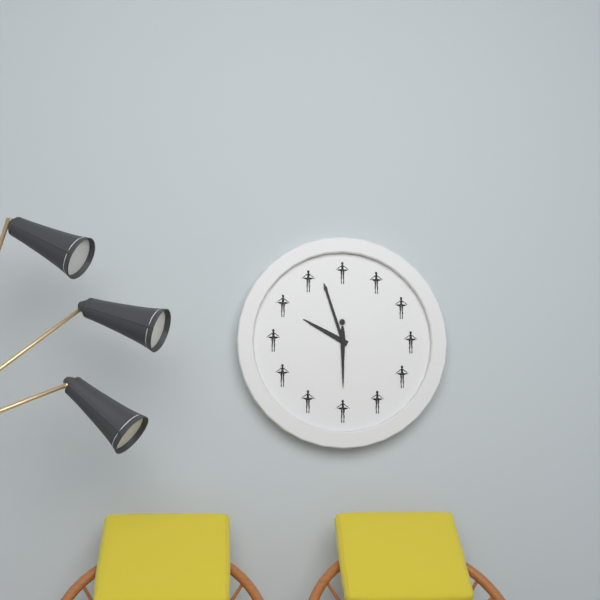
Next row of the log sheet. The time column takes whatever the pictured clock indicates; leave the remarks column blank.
9:57
